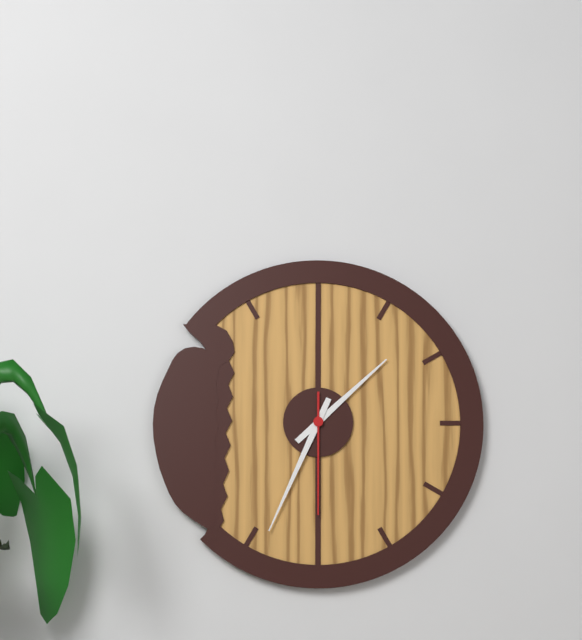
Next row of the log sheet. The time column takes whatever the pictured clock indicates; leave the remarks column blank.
1:34:30
